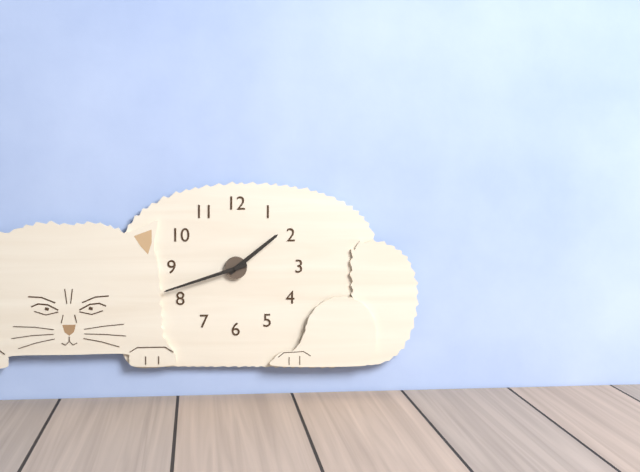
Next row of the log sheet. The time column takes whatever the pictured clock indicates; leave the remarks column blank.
1:42
